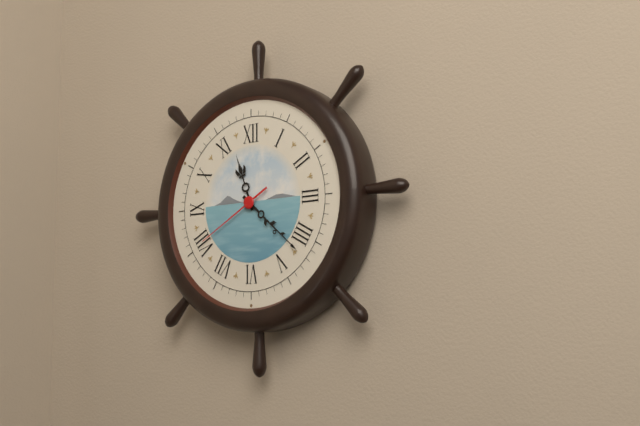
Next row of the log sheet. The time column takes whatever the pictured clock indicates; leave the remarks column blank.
11:22:40
